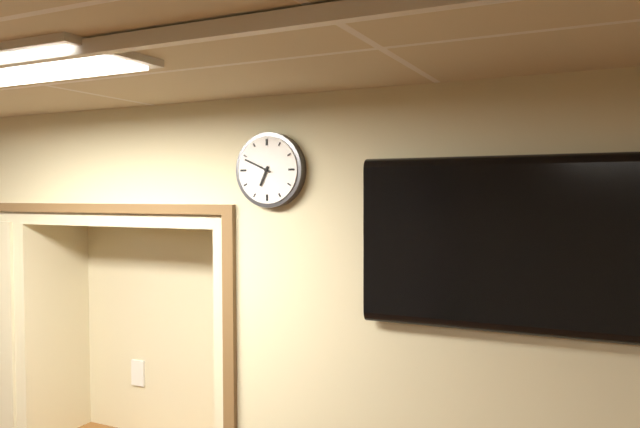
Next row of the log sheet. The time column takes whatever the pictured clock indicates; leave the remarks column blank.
6:49
